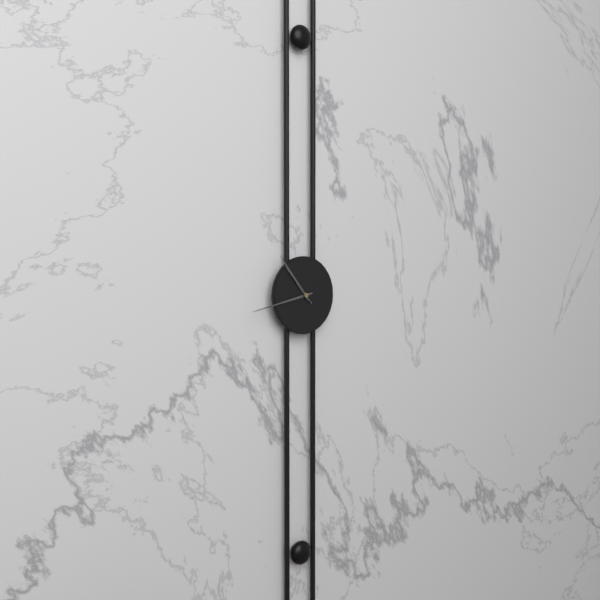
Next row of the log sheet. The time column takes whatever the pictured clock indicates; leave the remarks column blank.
10:43
